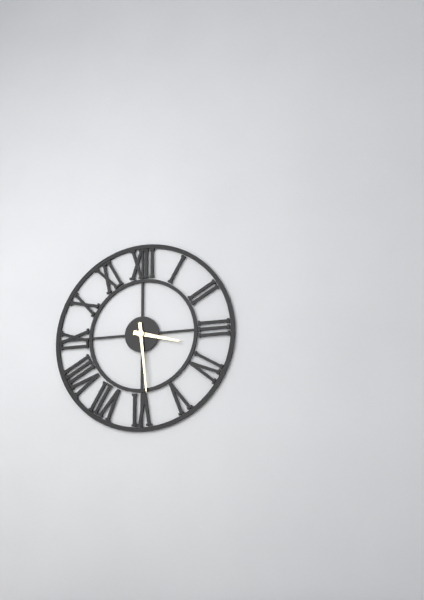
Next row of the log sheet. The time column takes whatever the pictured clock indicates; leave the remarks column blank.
3:29
